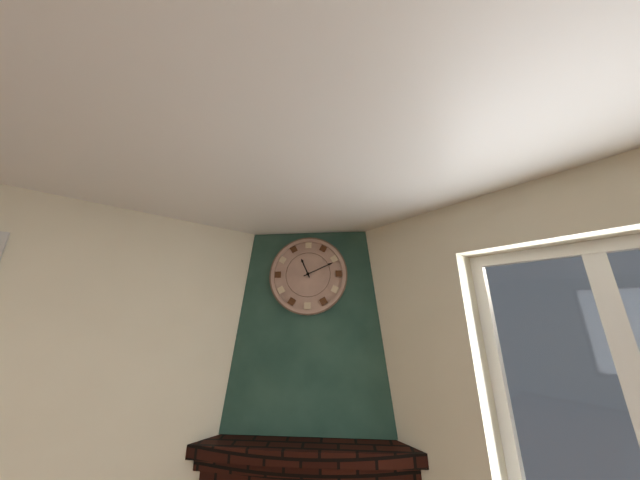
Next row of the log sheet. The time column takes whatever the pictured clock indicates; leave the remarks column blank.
11:11
